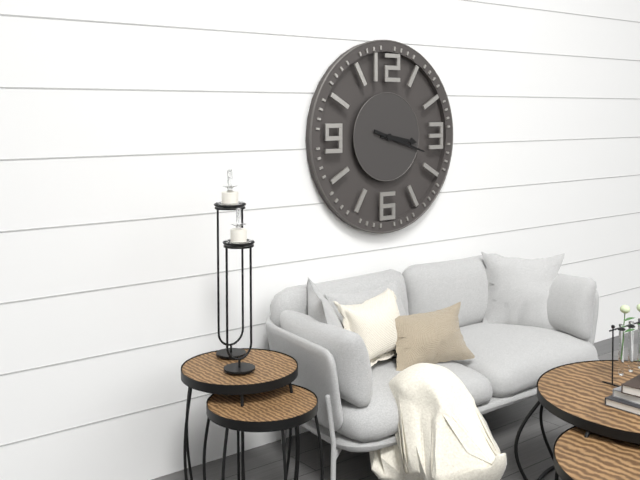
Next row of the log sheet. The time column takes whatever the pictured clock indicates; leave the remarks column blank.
3:18
